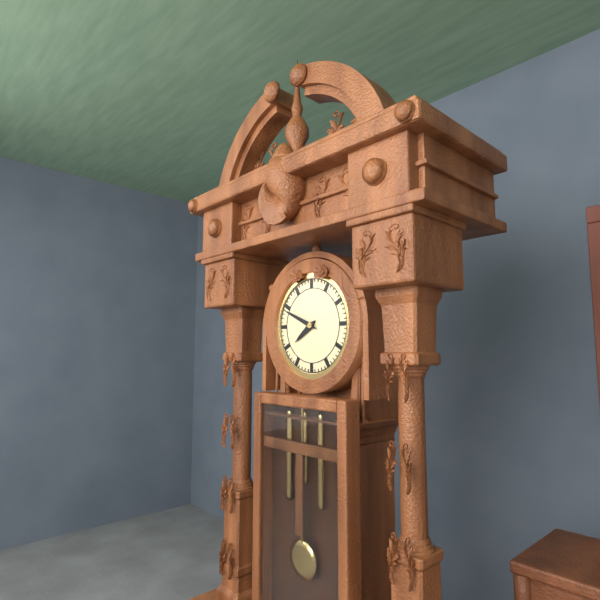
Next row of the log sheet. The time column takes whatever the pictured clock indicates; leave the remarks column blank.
7:49
